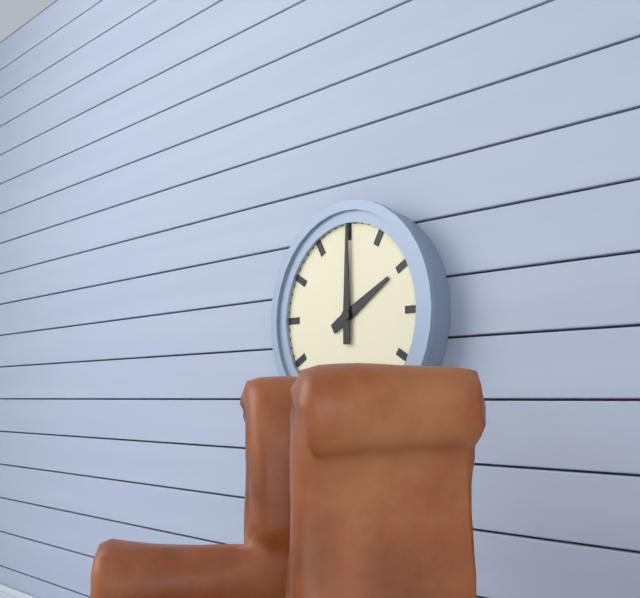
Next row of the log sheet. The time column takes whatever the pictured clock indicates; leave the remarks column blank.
2:00
